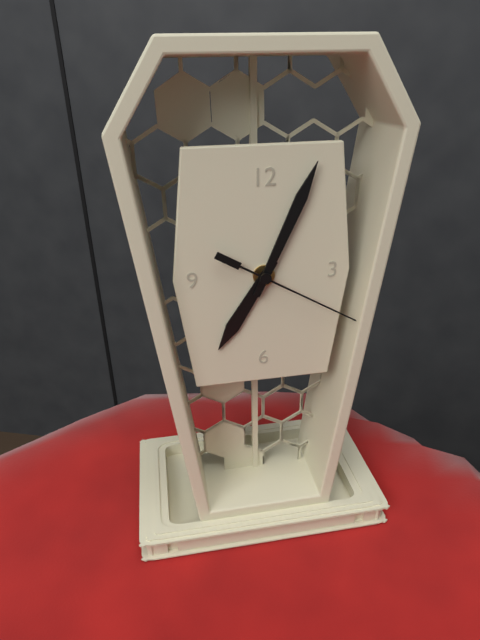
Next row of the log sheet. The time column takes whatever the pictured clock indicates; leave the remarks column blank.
7:04:20
